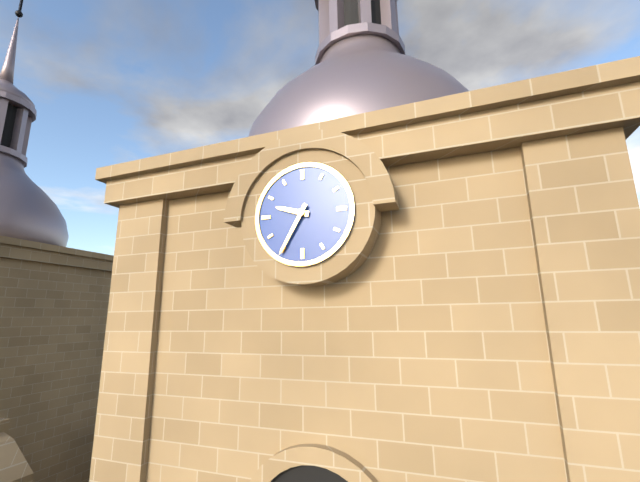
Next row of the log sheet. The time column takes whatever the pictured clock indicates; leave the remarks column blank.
9:35
